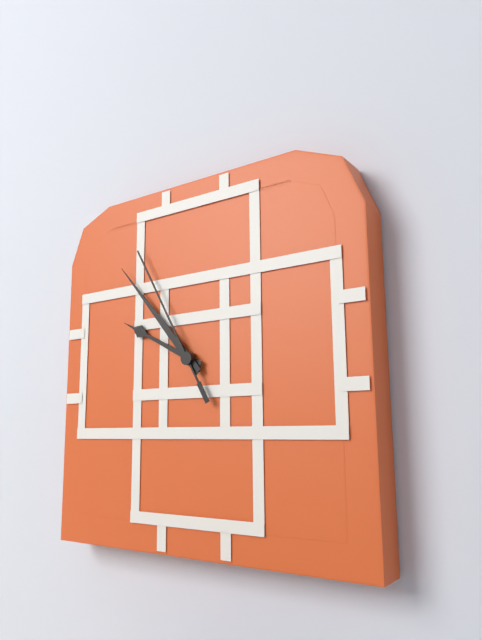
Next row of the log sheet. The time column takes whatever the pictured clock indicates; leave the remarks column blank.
9:53:55
